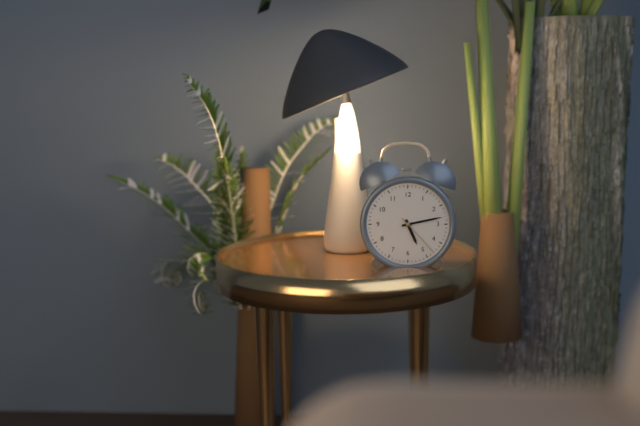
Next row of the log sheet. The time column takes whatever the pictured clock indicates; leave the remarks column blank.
5:13
